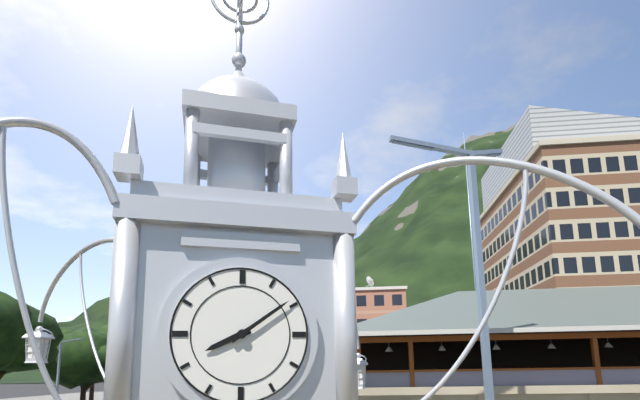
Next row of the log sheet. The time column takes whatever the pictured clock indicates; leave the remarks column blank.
8:09
